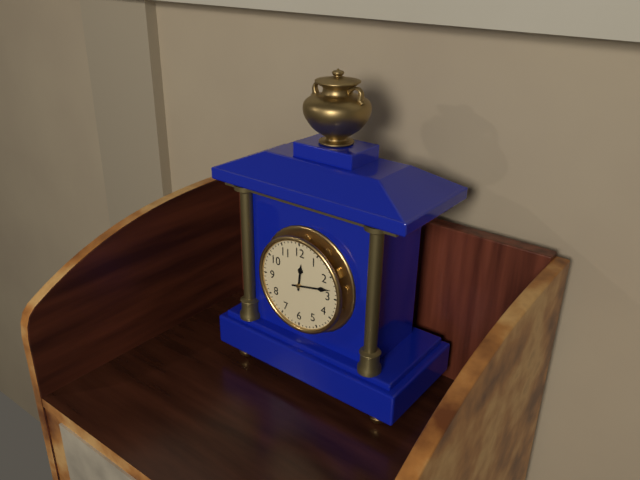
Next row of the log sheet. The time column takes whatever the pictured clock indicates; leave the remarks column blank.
12:13
